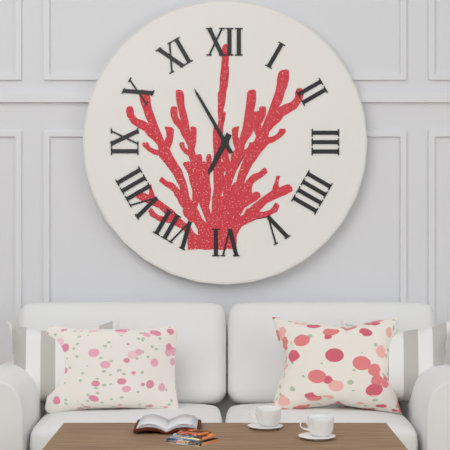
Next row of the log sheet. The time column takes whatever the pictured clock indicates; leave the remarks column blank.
6:55
